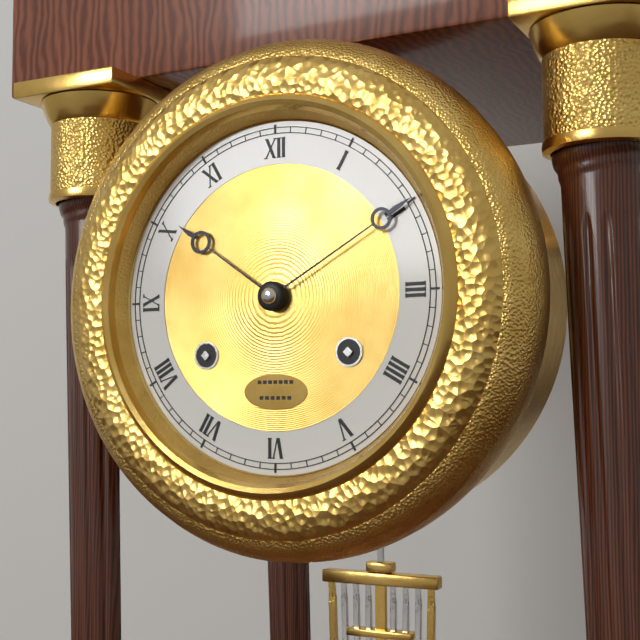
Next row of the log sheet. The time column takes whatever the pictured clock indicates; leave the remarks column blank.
10:10
